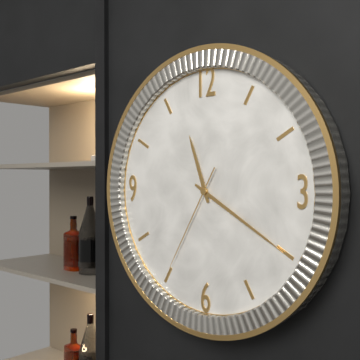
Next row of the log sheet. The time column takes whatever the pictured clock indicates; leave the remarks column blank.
11:20:35
